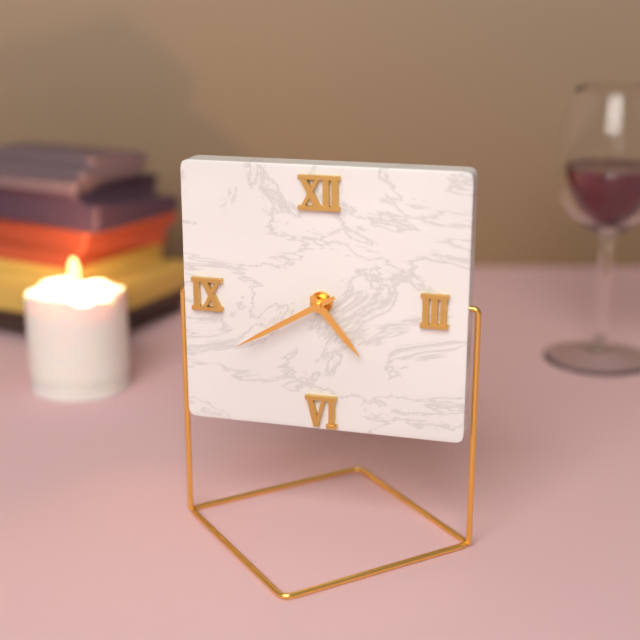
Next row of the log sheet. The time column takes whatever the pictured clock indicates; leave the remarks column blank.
4:40
